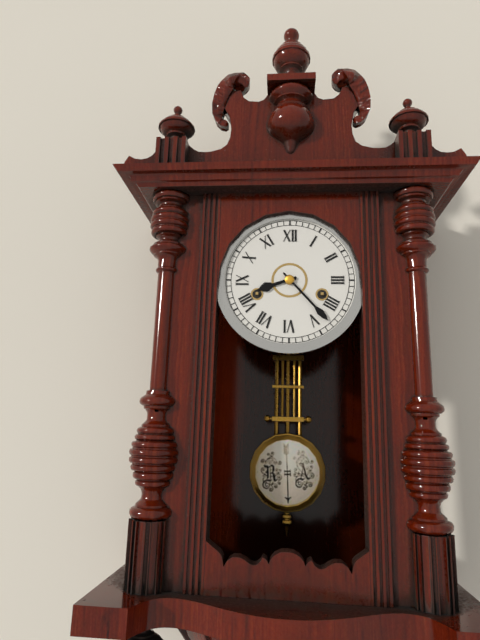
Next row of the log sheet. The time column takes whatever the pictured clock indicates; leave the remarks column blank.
8:23
